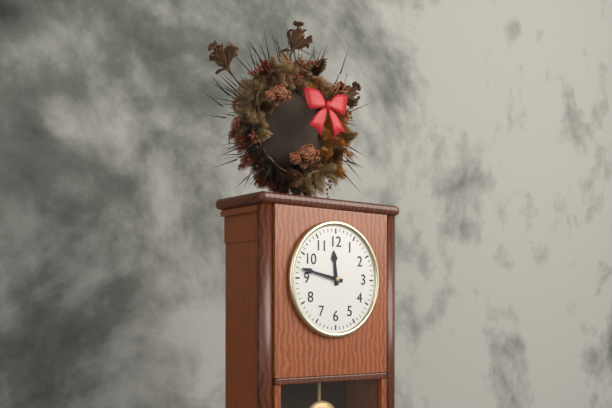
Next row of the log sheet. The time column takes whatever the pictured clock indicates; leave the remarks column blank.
11:47
